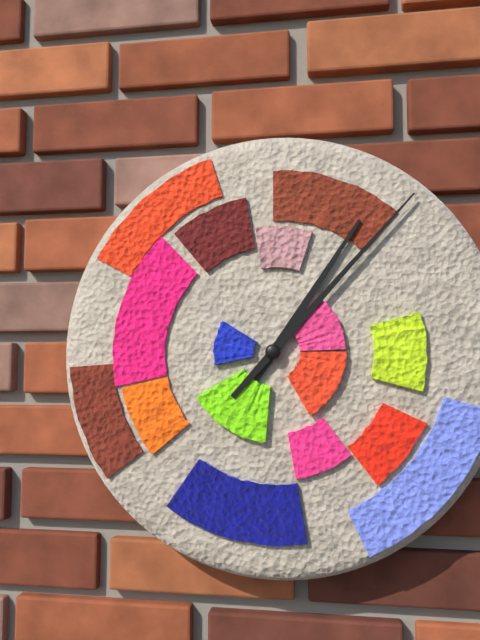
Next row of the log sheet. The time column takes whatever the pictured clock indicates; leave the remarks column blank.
1:07
